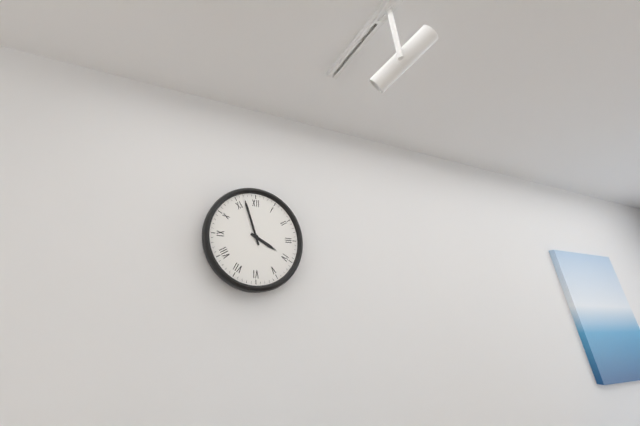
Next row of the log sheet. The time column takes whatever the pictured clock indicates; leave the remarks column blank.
3:57
